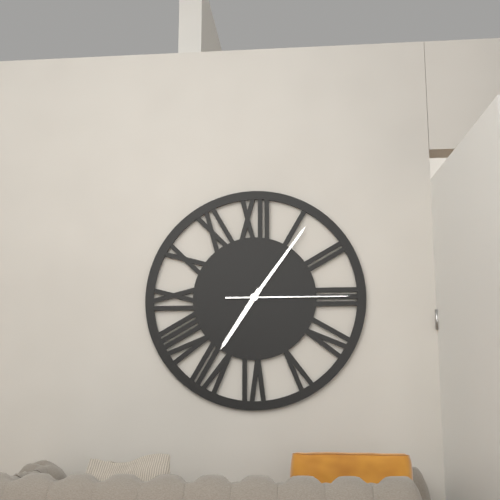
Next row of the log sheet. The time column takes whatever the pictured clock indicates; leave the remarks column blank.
7:06:15
